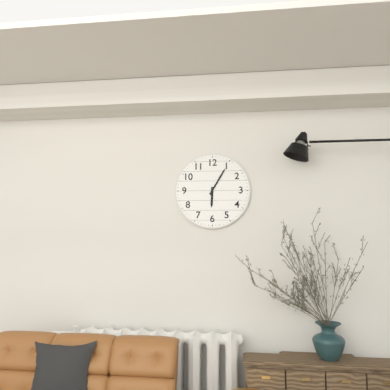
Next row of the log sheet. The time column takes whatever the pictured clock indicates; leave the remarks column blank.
6:05
